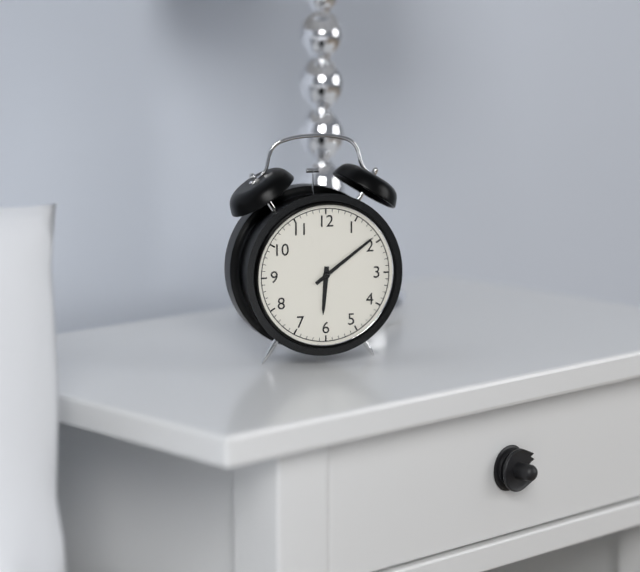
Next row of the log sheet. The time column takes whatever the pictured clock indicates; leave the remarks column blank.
6:09
